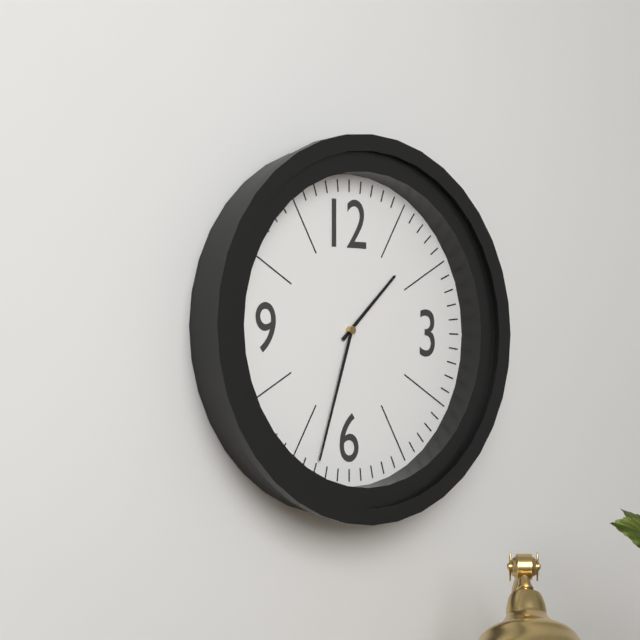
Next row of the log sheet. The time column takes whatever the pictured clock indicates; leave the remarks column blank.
1:33
